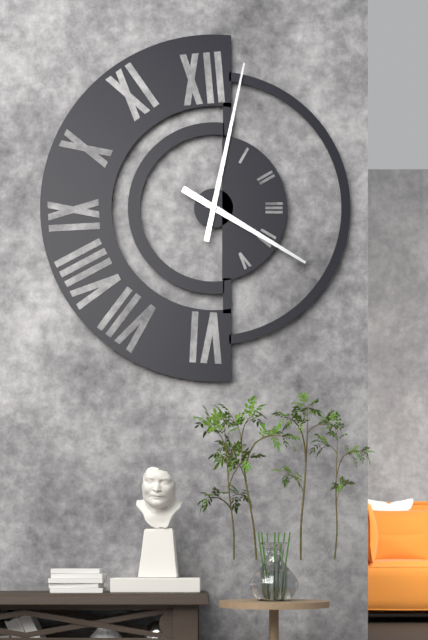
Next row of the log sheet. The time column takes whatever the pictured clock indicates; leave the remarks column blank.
4:02
